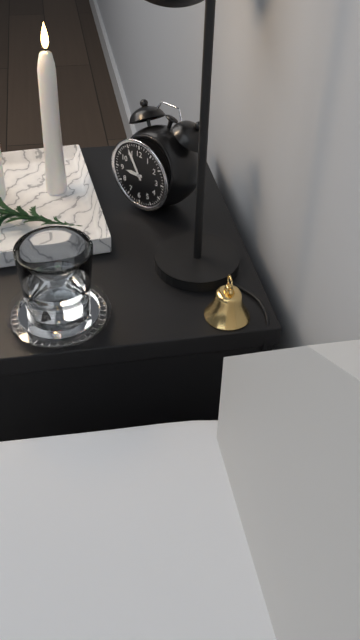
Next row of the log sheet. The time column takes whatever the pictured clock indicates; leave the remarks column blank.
8:55
